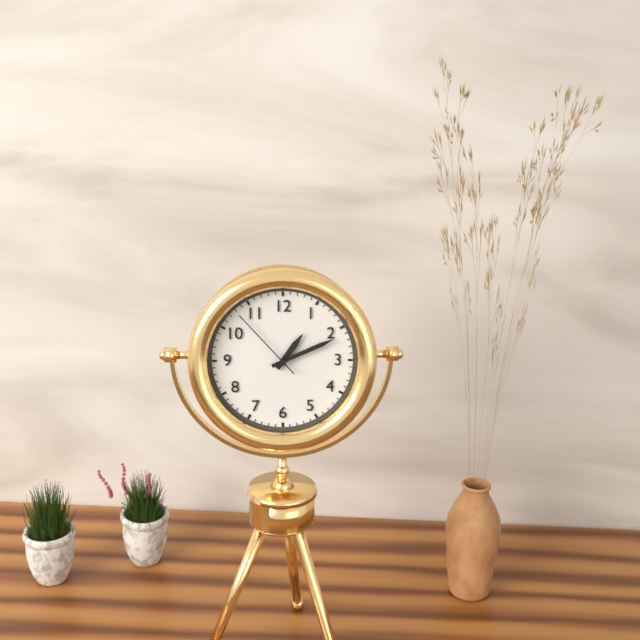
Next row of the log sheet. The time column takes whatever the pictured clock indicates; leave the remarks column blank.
1:11:53
